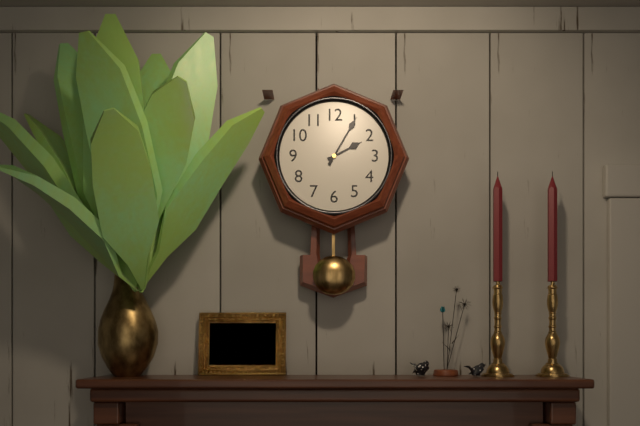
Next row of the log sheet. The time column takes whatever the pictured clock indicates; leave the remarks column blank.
2:05
